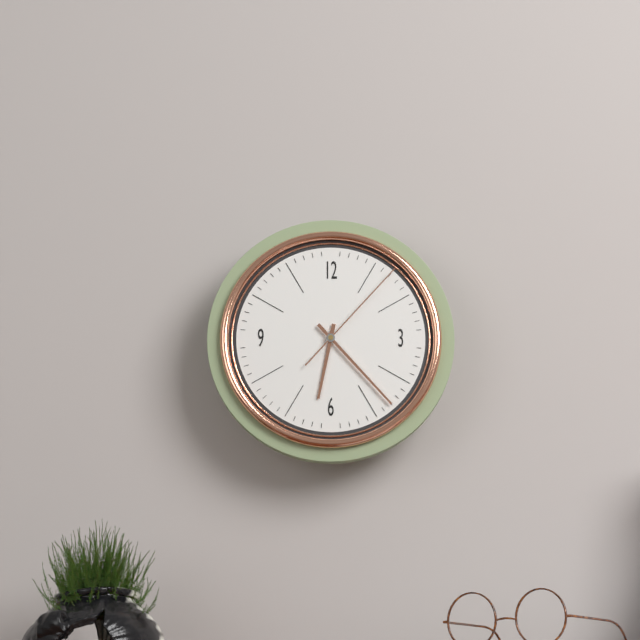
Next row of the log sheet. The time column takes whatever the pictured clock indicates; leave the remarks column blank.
6:23:07
